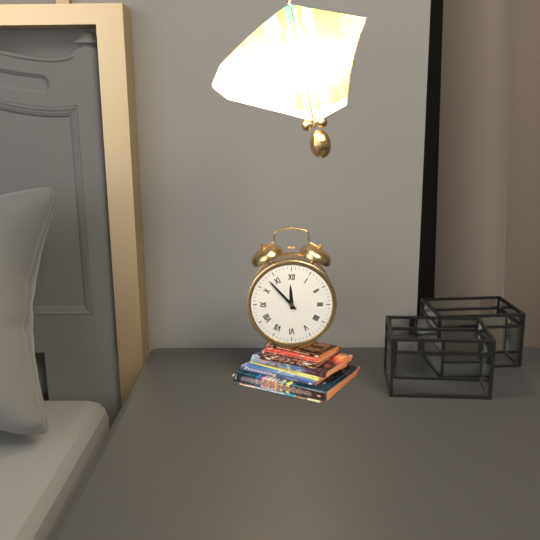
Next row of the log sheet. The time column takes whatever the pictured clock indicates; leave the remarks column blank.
11:53
